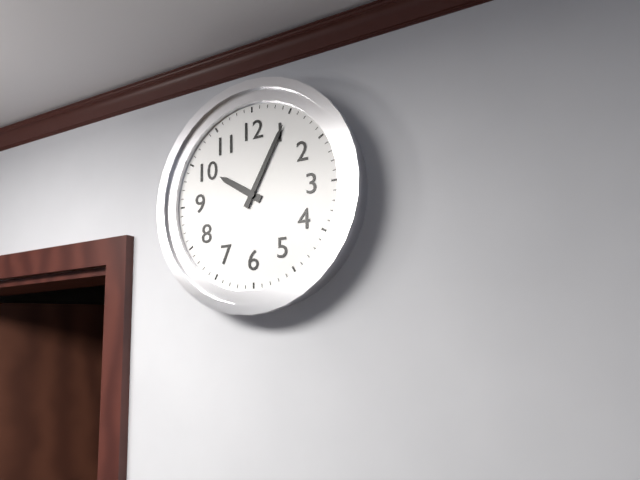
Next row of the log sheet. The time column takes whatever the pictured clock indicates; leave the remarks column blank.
10:05
